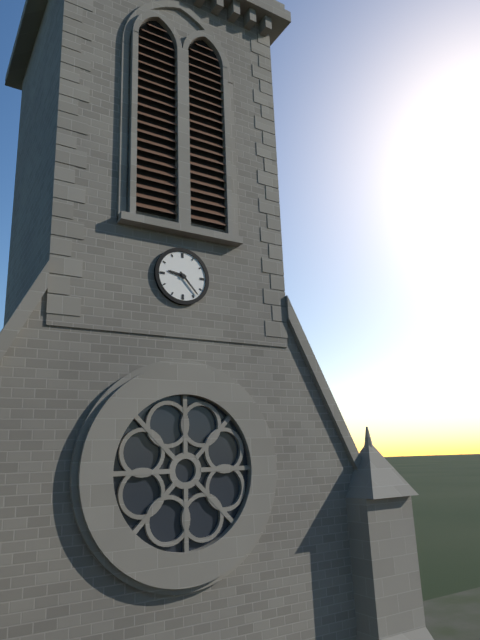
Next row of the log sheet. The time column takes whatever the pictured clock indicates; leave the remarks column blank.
9:23
